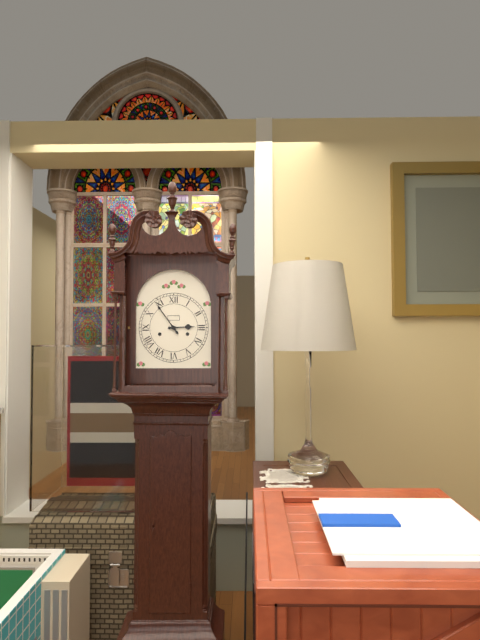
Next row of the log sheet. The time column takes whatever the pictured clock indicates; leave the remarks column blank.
2:54
